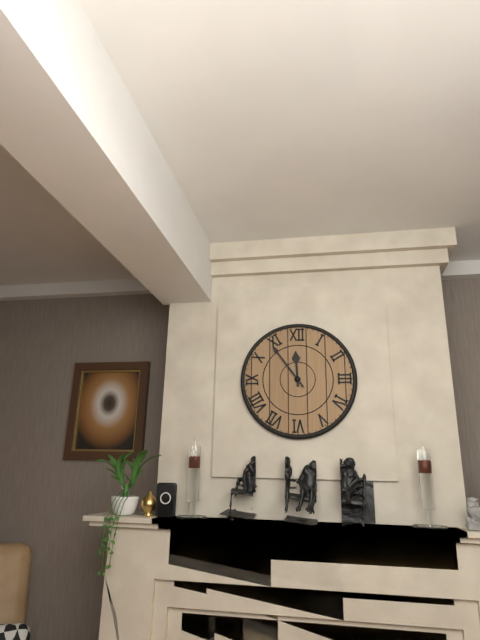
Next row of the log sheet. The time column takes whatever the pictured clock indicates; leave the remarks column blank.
11:54
